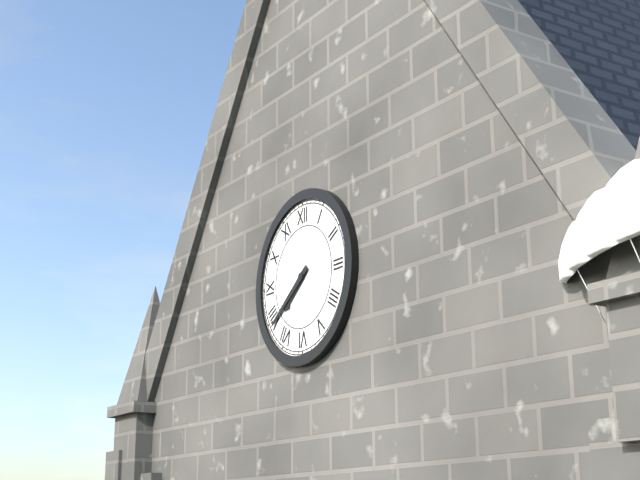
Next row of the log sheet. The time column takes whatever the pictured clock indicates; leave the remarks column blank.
7:39
